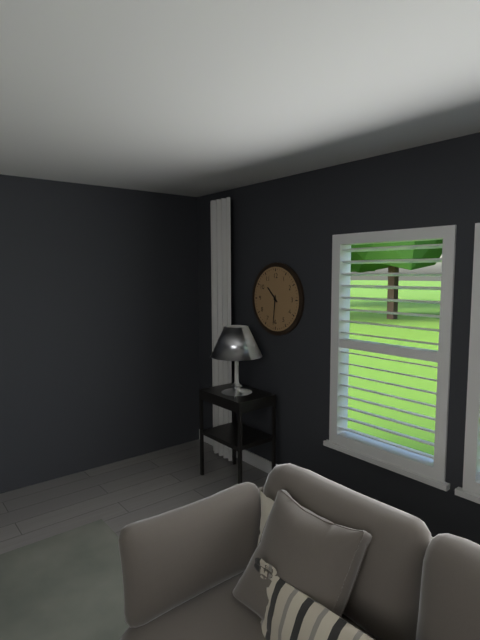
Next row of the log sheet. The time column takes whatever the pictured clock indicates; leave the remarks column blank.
10:31
